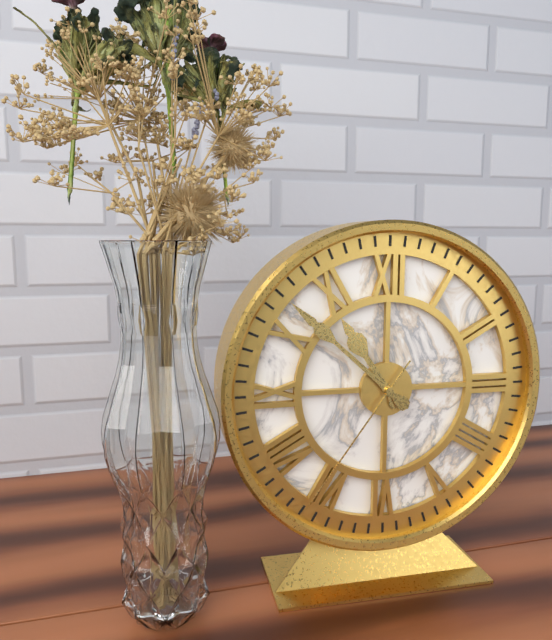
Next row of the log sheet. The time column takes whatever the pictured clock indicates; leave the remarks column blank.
10:52:36
